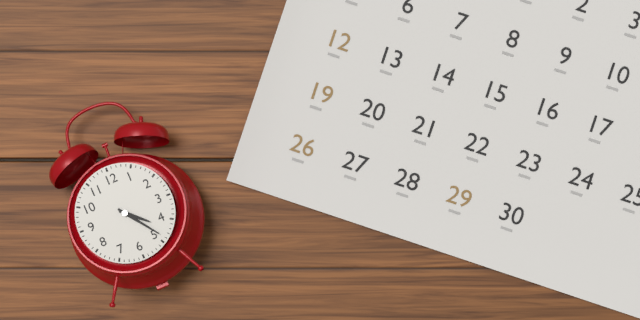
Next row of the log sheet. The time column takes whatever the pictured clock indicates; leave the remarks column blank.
4:24
